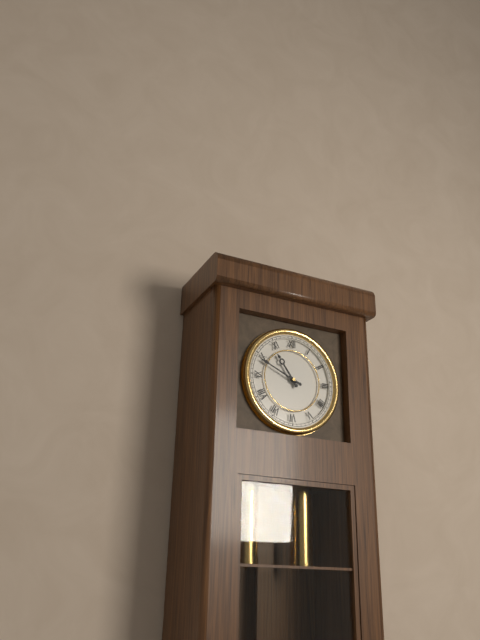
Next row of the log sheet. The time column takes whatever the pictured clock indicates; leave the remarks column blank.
10:49
